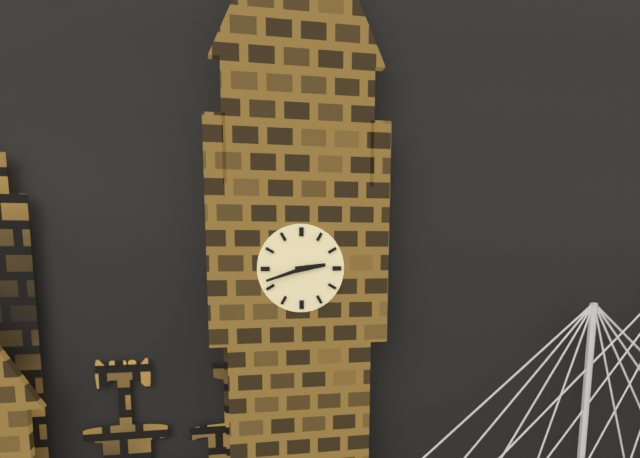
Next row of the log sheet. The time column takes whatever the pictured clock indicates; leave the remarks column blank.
2:42
